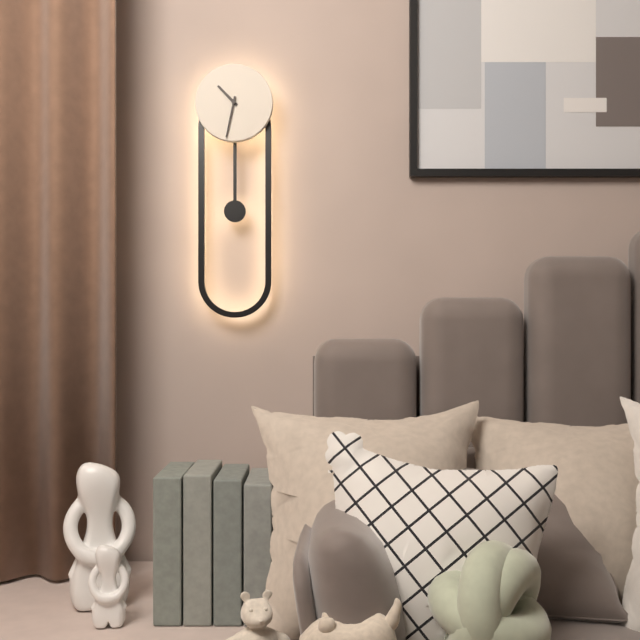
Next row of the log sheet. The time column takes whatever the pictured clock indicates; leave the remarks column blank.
10:32
